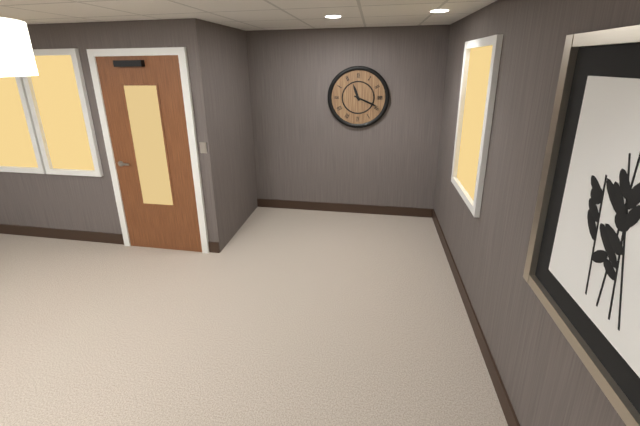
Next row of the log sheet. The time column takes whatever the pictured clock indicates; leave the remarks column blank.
11:19
